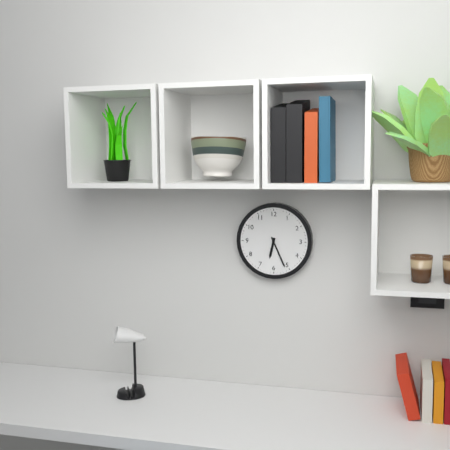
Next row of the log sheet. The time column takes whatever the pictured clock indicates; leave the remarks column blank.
6:26
